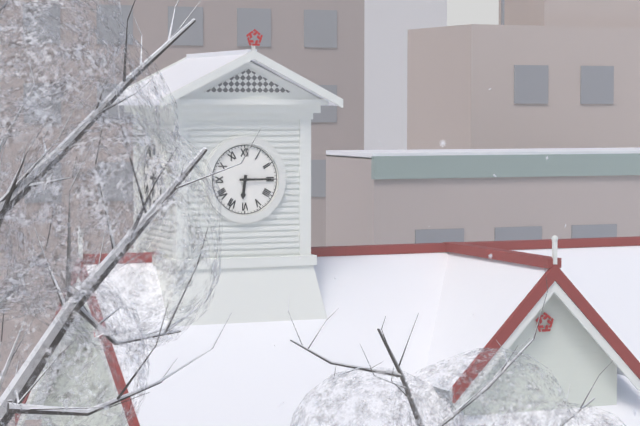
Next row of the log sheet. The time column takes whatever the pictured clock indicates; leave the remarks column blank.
6:15
